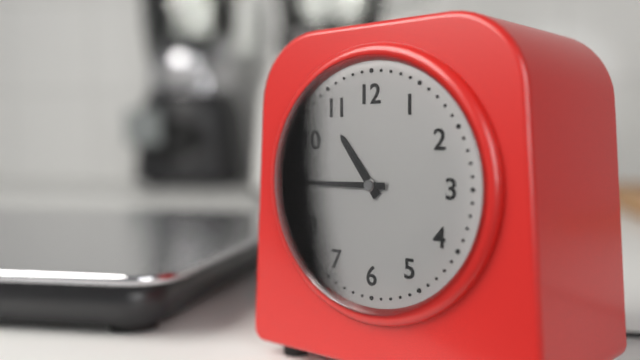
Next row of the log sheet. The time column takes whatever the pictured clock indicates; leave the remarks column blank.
10:45
